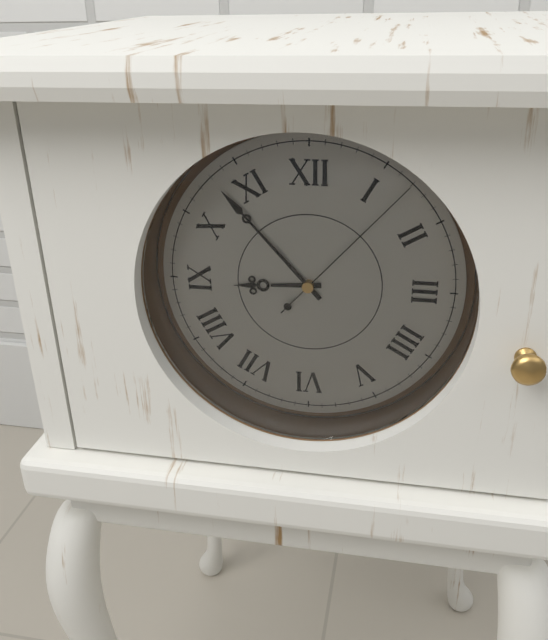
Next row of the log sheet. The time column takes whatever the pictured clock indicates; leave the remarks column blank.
8:53:07
